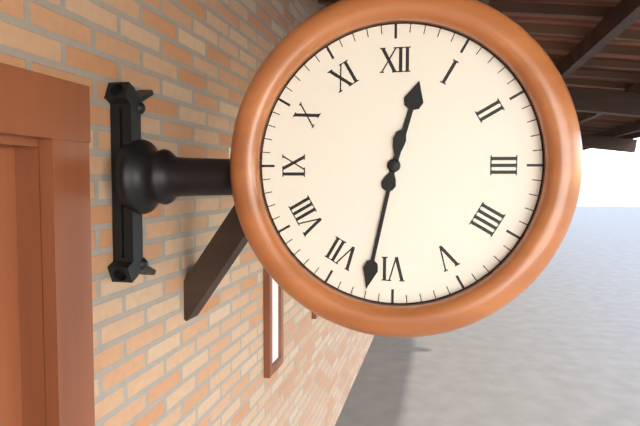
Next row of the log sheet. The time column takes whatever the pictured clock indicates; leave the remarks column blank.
12:32
